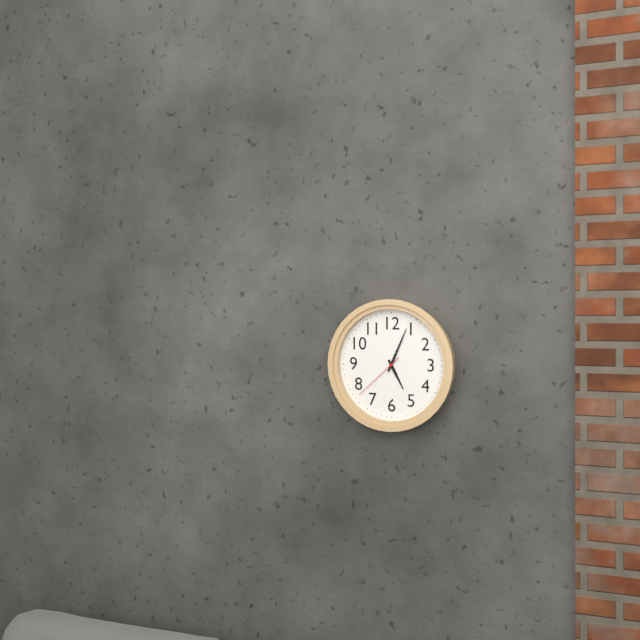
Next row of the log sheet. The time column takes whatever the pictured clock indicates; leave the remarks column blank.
5:04:38
